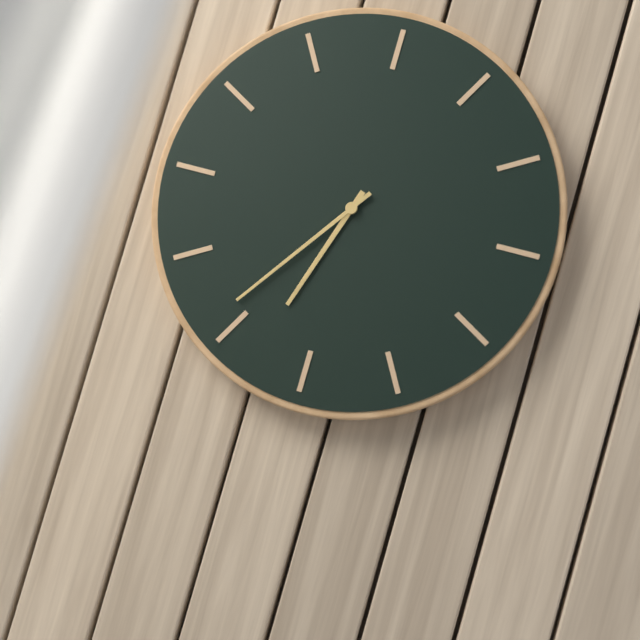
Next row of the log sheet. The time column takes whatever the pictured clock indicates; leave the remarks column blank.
6:36
